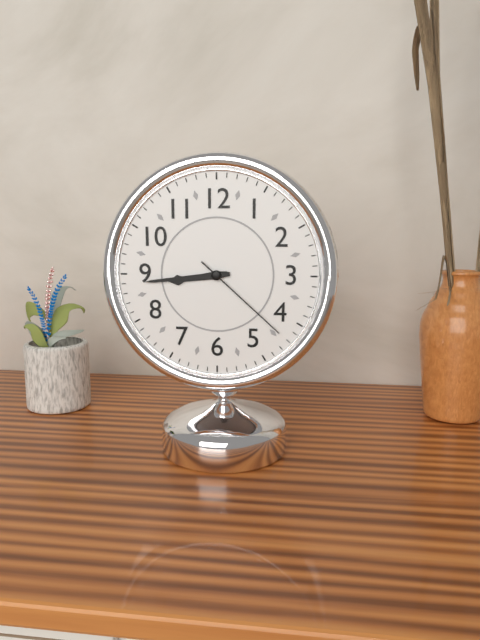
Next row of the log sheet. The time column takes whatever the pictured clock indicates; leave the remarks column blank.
8:44:22
